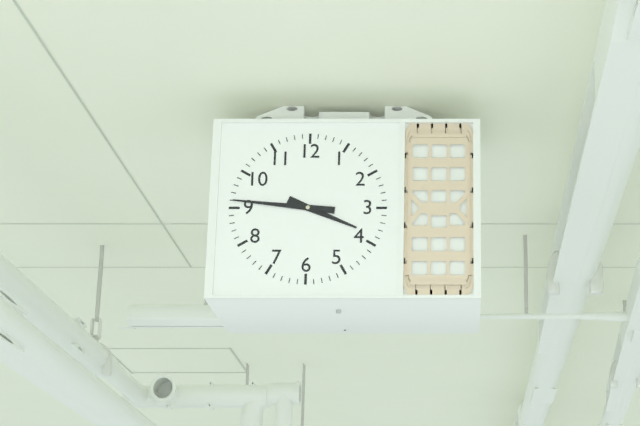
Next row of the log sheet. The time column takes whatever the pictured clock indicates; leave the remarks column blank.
3:46
